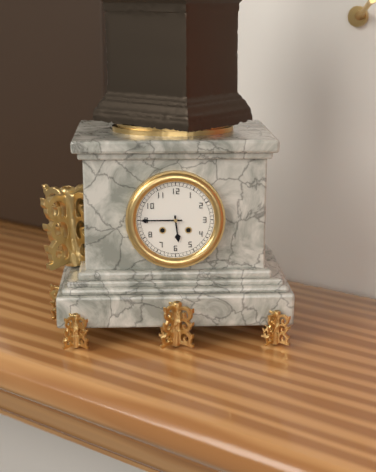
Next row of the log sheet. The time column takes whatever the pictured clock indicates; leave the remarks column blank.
5:45
